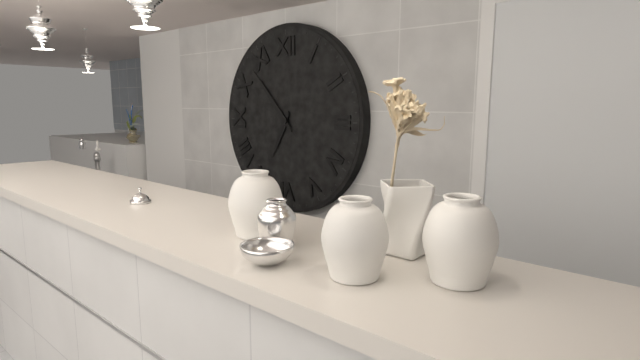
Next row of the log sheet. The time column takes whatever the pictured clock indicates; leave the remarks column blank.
6:53
